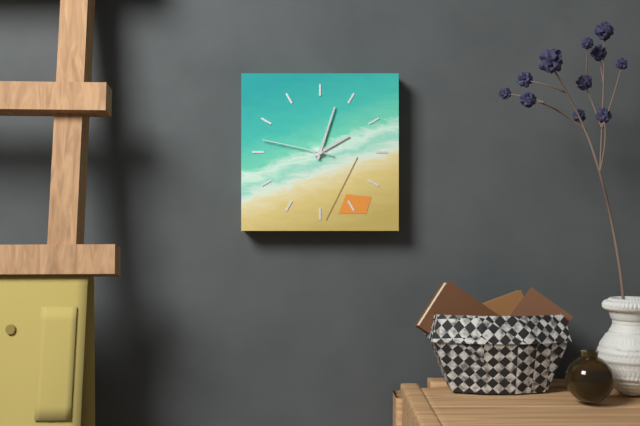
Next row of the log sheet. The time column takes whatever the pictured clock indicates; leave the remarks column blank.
2:03:47
